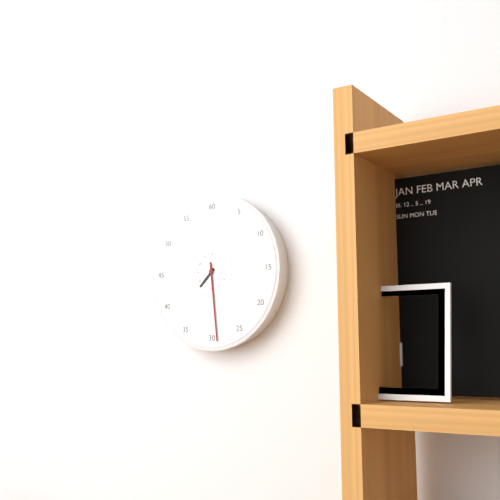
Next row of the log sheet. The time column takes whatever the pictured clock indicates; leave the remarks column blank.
7:29
